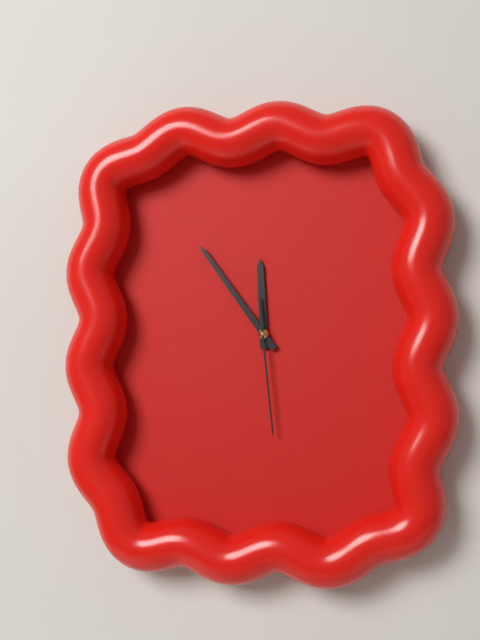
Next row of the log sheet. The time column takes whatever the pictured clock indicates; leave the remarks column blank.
11:54:29
